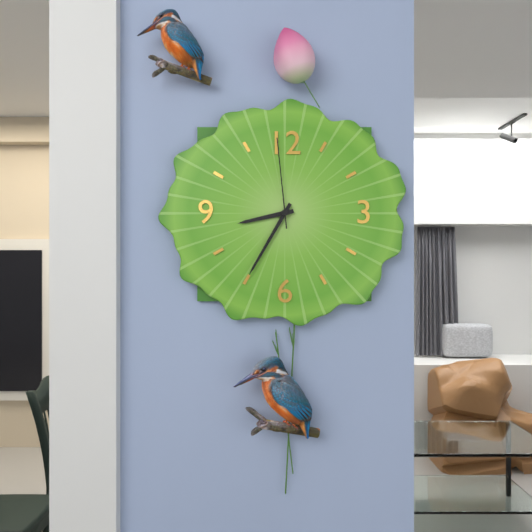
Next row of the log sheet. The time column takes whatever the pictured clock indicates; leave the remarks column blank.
8:35:59
